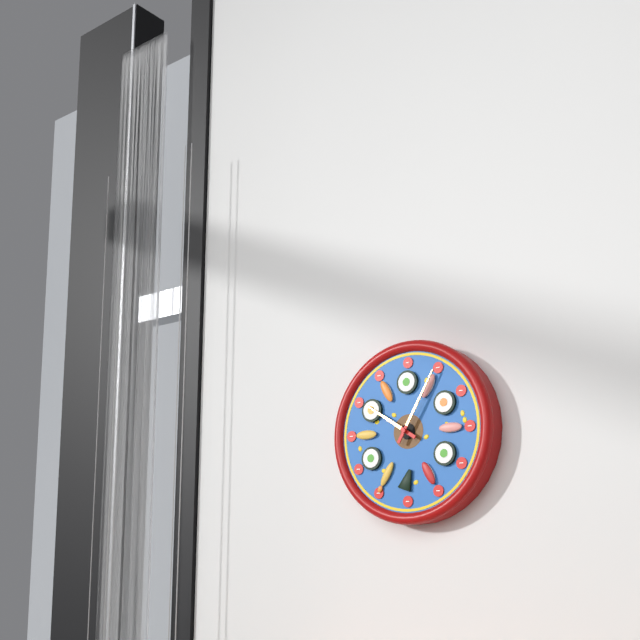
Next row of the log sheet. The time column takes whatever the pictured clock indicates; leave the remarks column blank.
10:05
